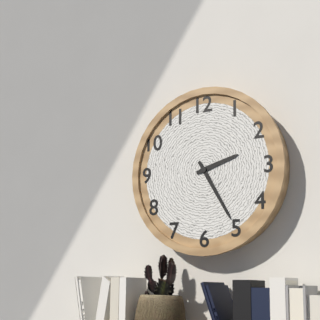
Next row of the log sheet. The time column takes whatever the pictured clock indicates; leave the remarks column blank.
2:25
